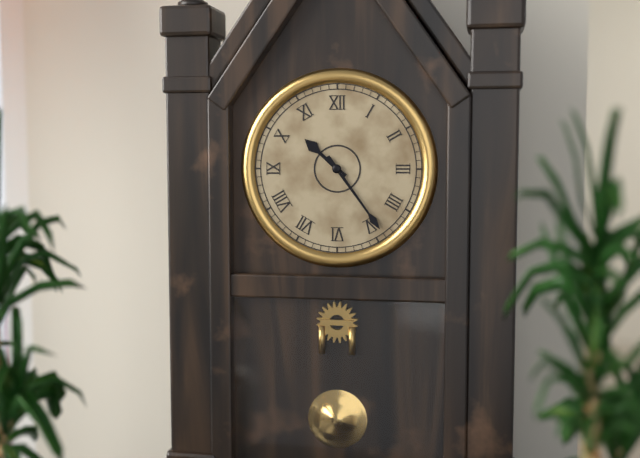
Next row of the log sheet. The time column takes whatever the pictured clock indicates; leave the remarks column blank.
10:24
